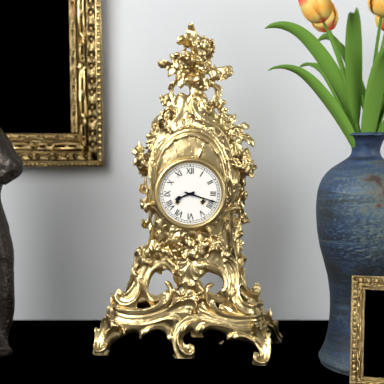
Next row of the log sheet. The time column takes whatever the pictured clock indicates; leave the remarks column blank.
8:18
